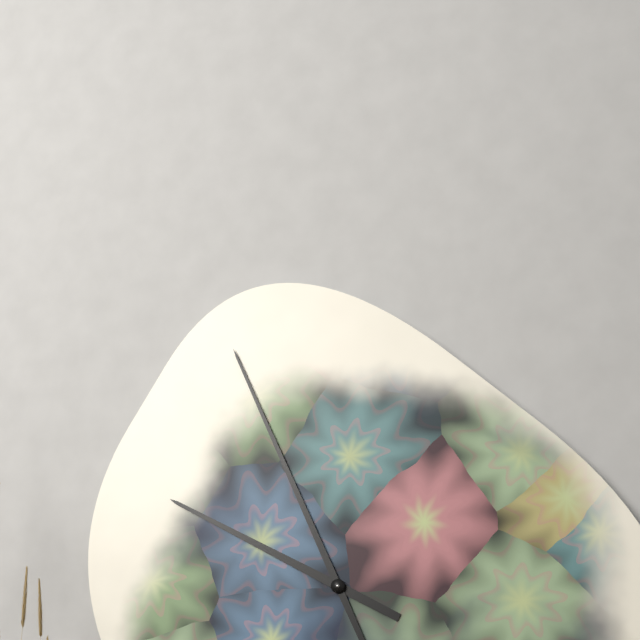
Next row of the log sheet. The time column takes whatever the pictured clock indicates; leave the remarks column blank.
9:56
